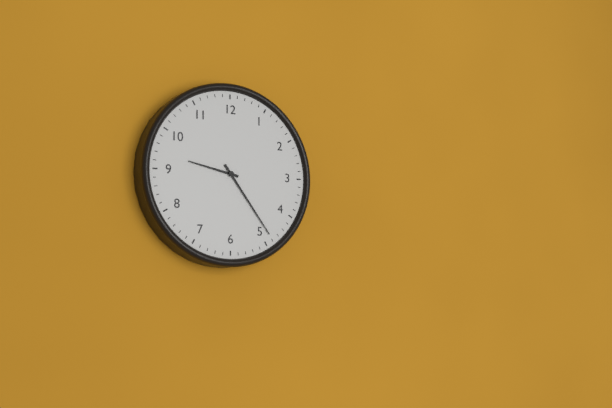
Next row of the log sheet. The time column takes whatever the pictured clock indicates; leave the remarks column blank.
9:24
